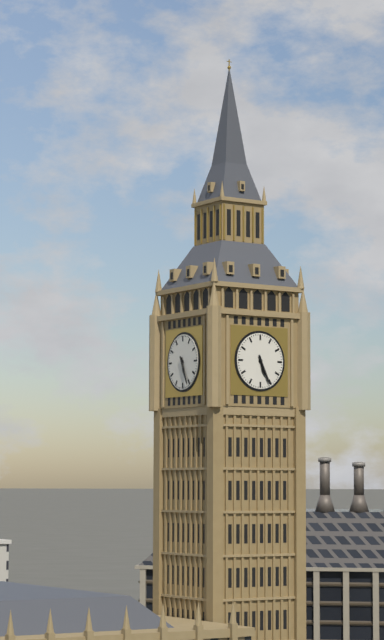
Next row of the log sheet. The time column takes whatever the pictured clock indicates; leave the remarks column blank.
5:26
